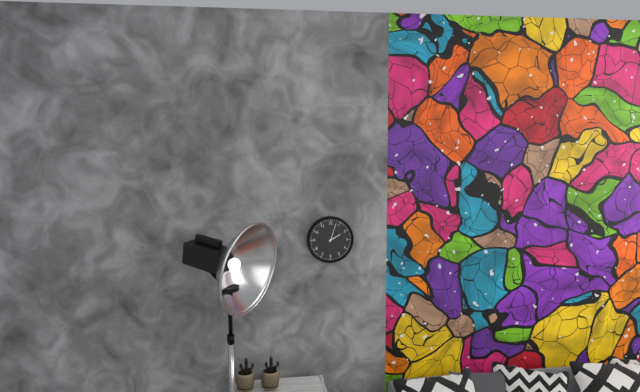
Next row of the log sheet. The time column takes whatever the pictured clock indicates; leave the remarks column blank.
2:03
